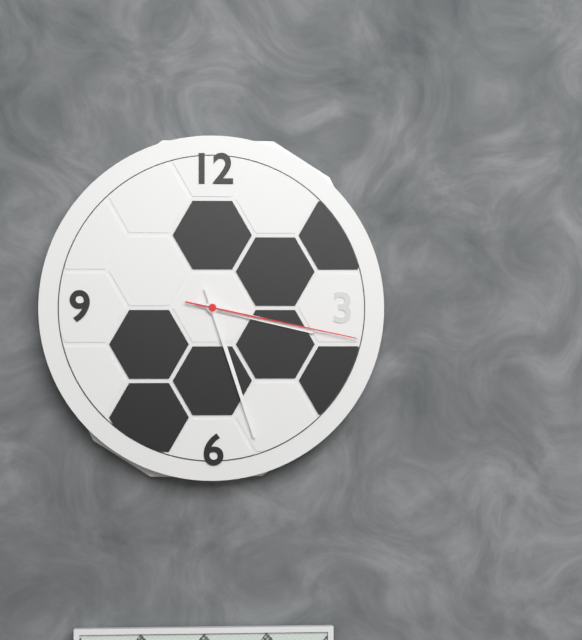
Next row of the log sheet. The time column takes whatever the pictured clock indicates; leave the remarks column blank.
3:27:17
